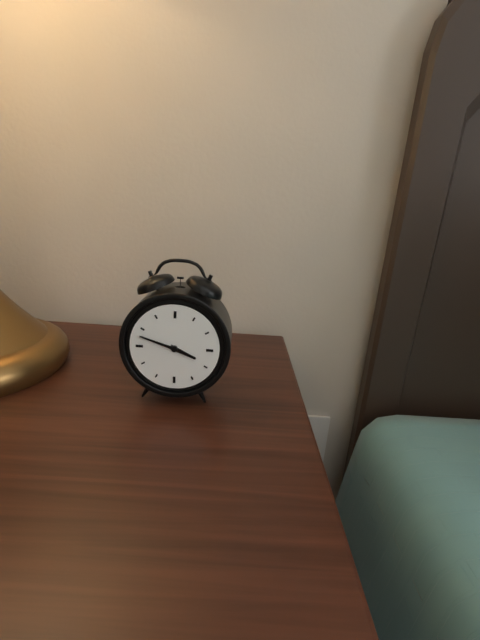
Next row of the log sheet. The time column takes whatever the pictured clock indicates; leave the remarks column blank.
3:48
